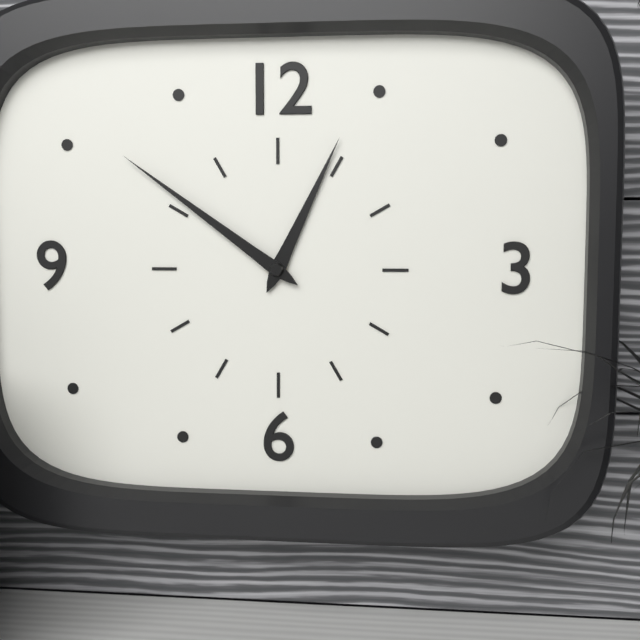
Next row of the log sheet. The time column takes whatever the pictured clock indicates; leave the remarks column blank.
12:51
